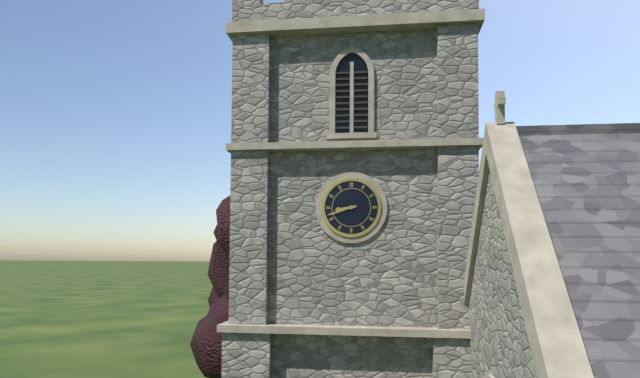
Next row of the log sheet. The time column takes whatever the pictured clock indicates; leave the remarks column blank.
8:42
